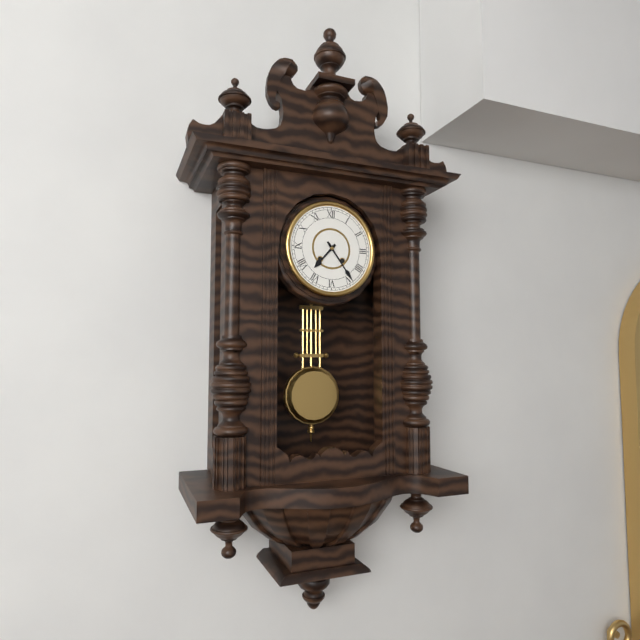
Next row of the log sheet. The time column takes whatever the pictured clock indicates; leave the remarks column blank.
7:24
